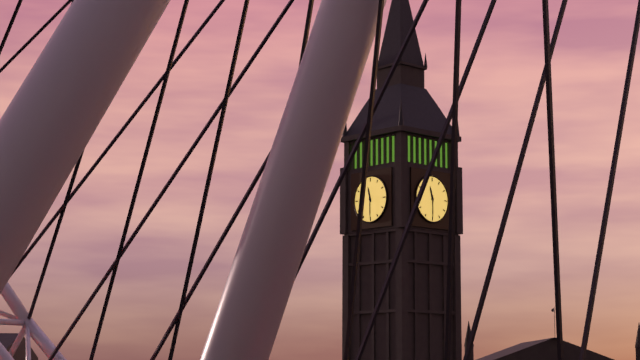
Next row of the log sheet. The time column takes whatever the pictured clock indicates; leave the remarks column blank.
11:30
